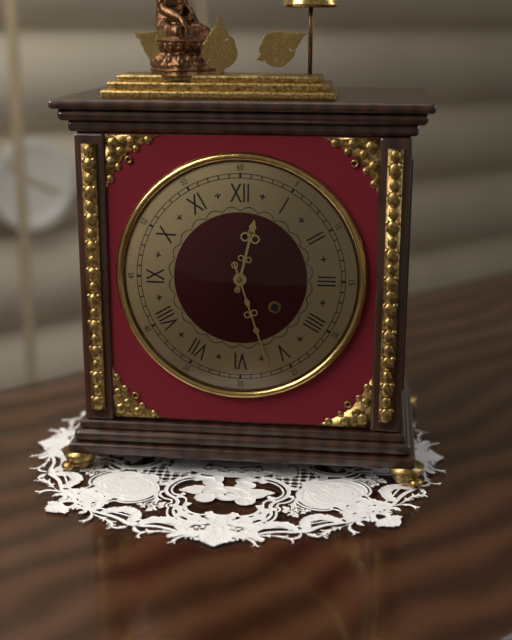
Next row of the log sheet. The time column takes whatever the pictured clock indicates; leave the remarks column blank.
12:27
